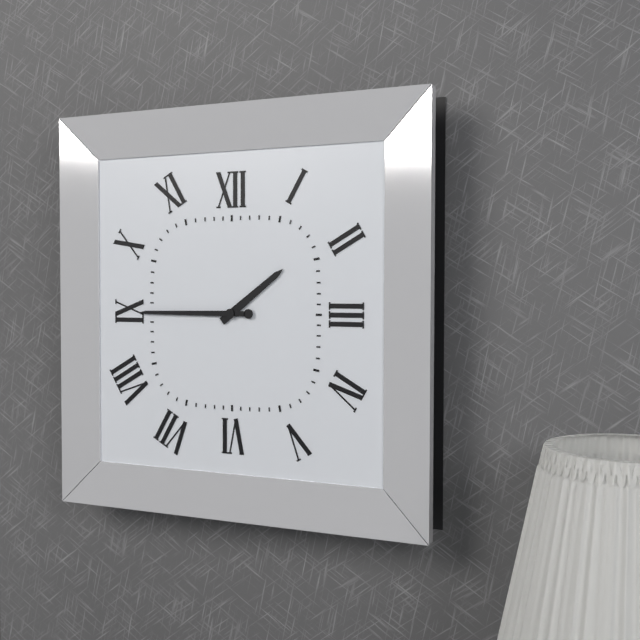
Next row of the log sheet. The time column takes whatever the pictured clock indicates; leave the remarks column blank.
1:45
